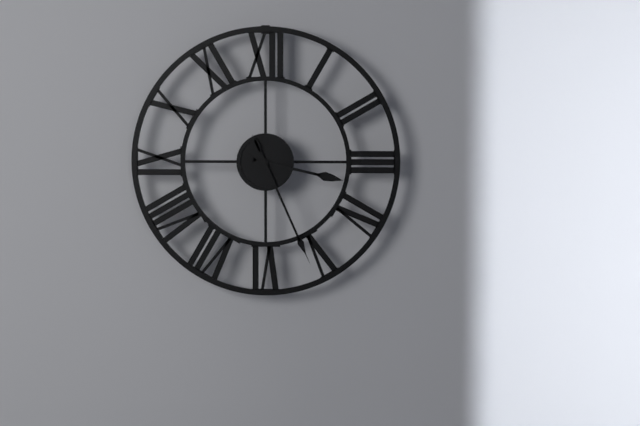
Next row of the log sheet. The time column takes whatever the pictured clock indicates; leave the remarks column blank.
3:26
